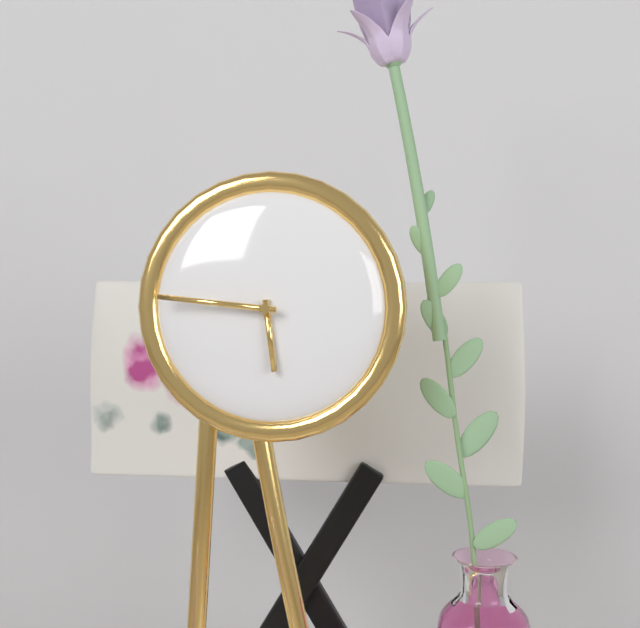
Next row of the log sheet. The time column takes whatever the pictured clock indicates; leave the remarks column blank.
5:46
